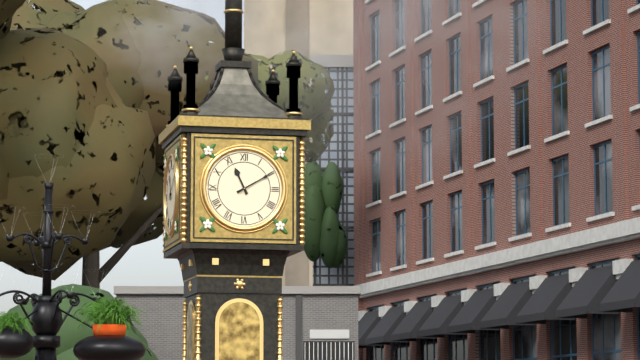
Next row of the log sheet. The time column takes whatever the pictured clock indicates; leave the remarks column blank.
11:10
